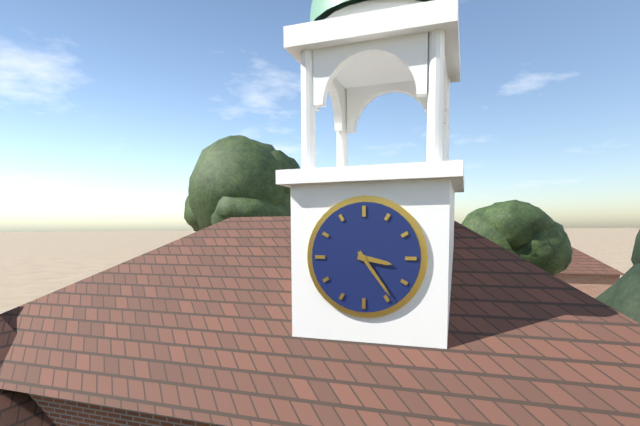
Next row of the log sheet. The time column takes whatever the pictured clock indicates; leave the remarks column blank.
3:24
